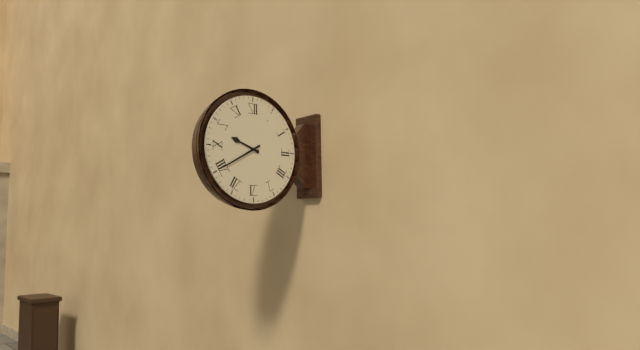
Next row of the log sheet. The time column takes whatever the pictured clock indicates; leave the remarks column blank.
9:40
